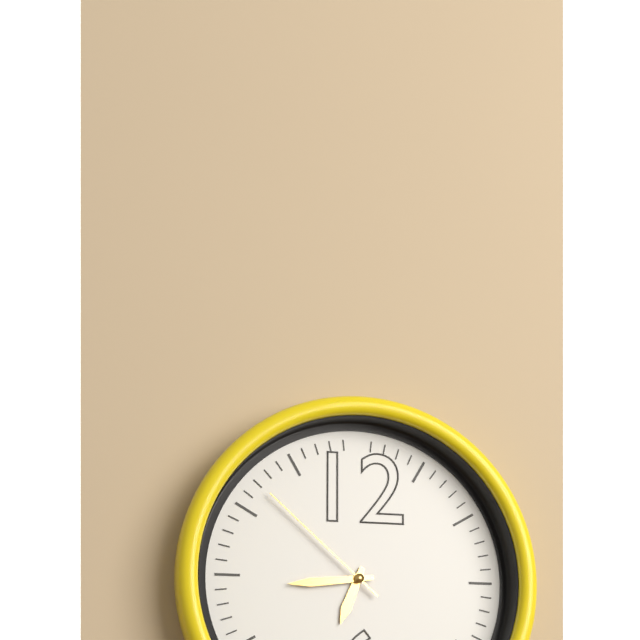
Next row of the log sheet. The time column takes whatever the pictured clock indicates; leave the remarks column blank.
6:44:52
